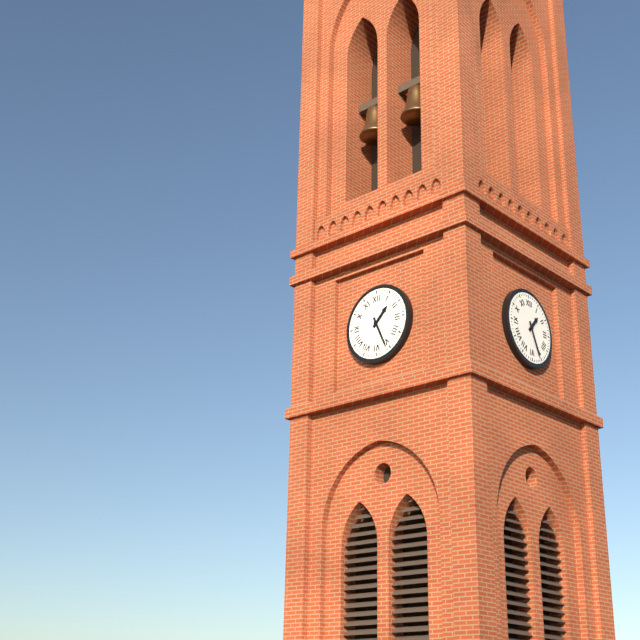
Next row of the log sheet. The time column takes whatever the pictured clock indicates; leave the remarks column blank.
1:26
